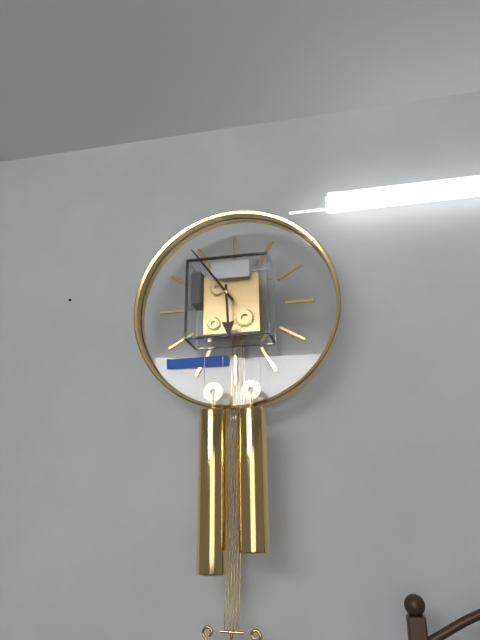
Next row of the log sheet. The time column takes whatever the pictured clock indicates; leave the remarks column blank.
5:54
